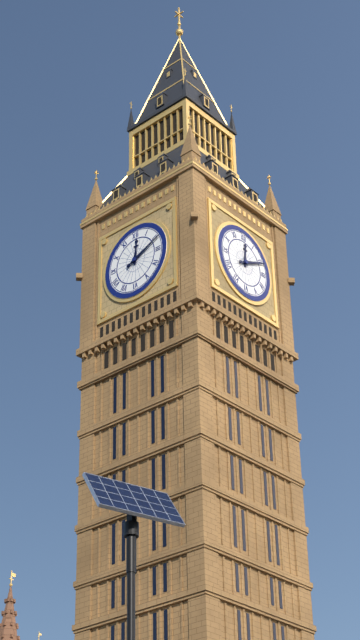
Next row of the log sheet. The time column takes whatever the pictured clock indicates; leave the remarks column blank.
12:11
